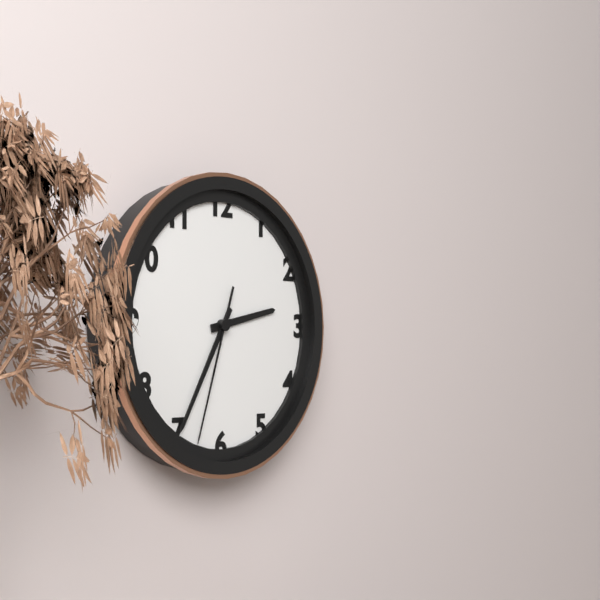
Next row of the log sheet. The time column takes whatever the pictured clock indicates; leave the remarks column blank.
2:35:33
